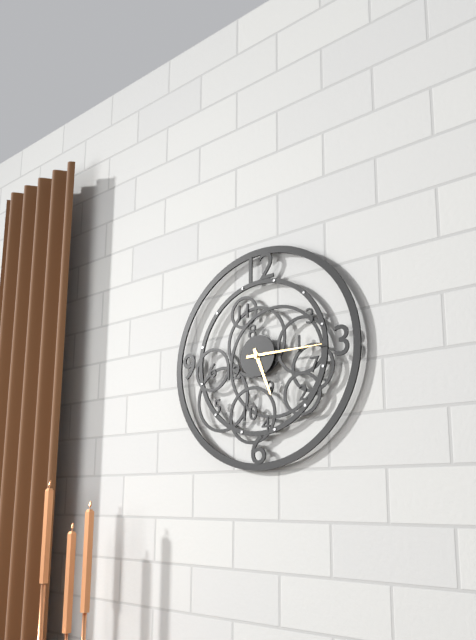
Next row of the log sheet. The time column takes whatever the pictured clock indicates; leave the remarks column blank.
5:15
